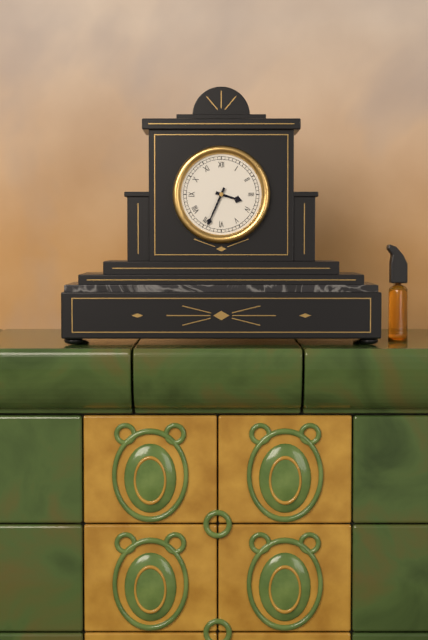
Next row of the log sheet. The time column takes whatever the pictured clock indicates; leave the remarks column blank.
3:34
